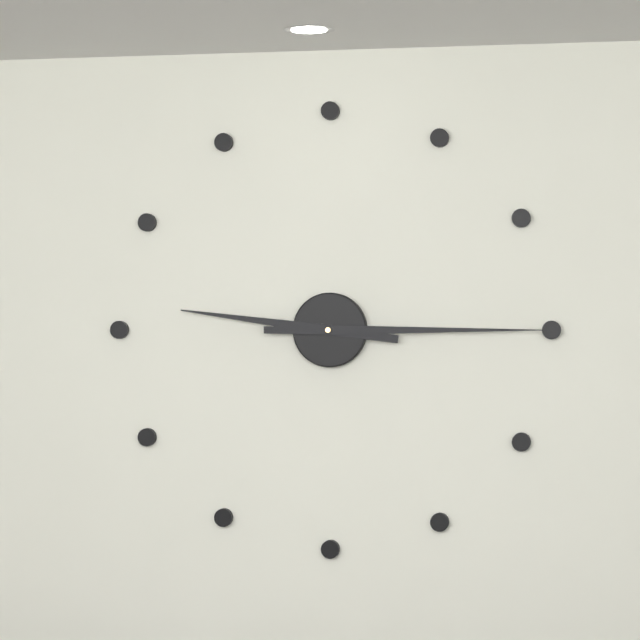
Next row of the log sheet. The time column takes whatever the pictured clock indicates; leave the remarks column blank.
9:15
